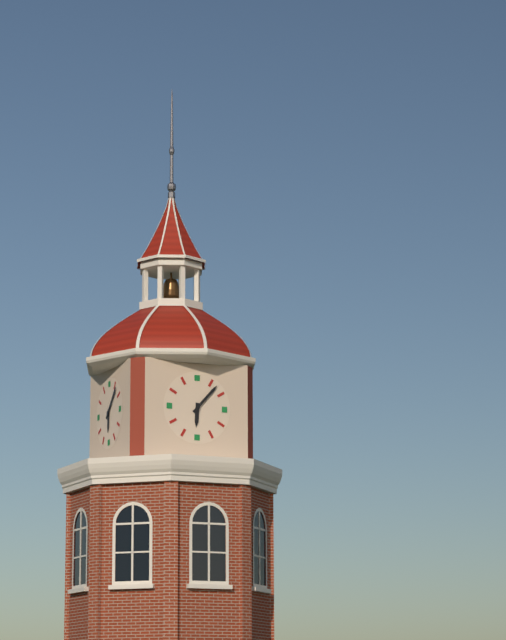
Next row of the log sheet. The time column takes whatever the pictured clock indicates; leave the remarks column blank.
6:07
